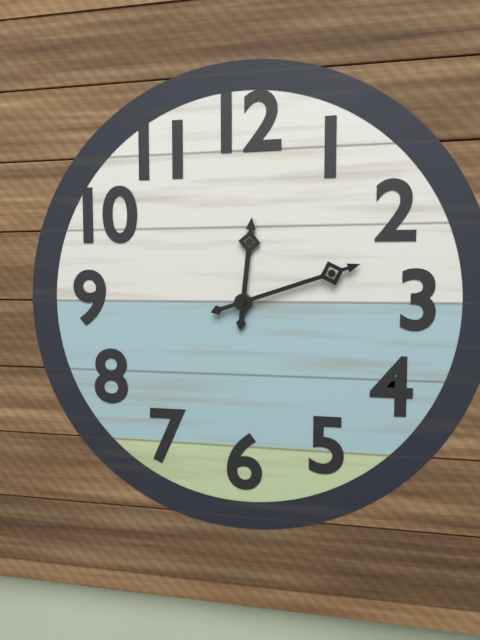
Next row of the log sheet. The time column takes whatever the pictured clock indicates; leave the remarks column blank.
12:12
